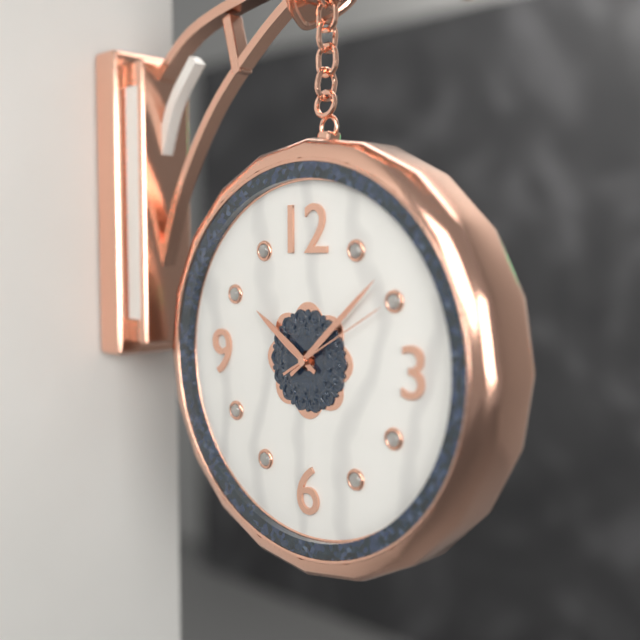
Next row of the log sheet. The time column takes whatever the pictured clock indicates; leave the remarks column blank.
10:08:10
